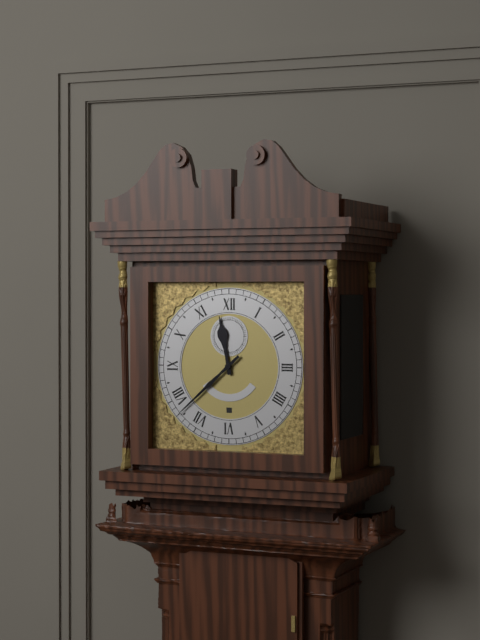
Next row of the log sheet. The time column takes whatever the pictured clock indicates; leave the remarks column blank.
11:38
